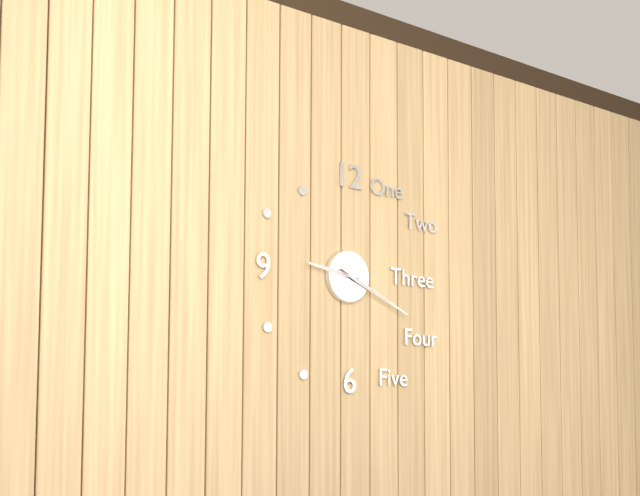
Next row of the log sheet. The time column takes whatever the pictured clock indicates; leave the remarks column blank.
9:19
